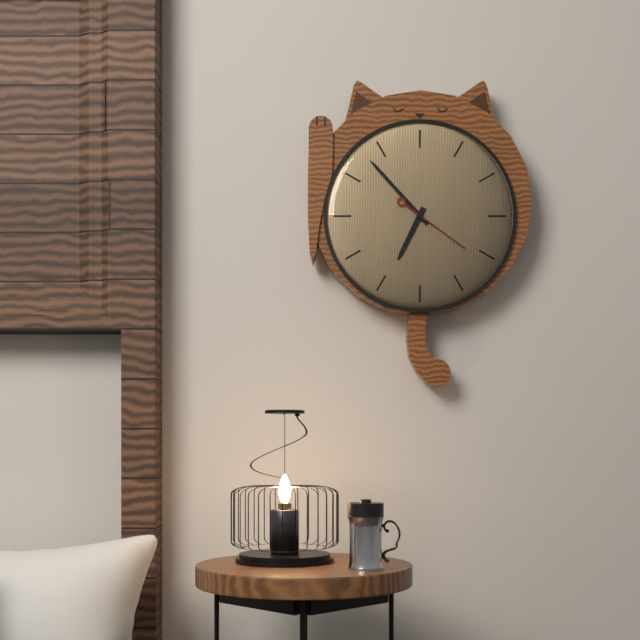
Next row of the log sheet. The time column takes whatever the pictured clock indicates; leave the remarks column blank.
6:53:21
